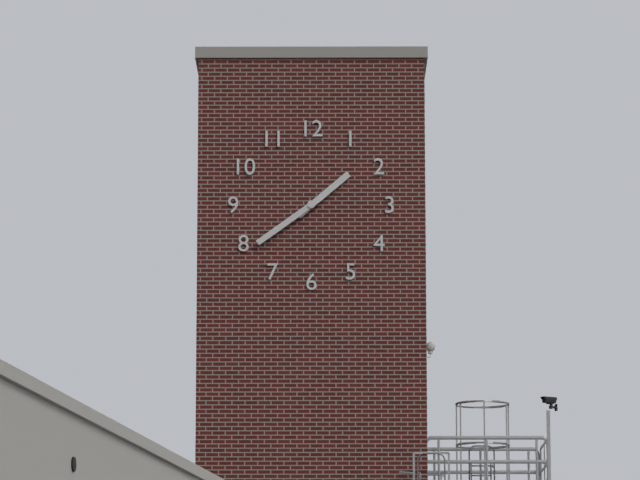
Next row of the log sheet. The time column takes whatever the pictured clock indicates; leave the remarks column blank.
1:39
